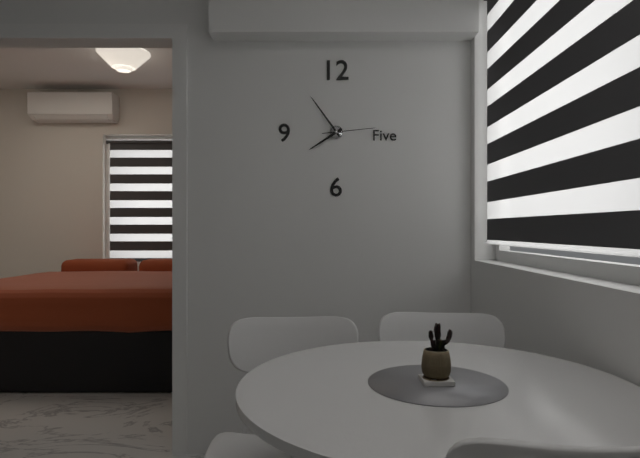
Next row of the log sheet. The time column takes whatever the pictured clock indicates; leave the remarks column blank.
7:54:14
